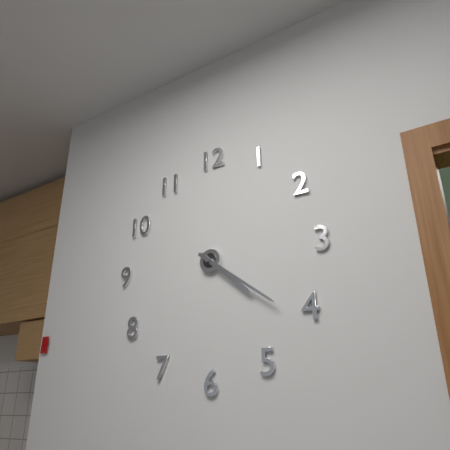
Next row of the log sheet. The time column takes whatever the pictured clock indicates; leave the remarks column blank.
4:21
